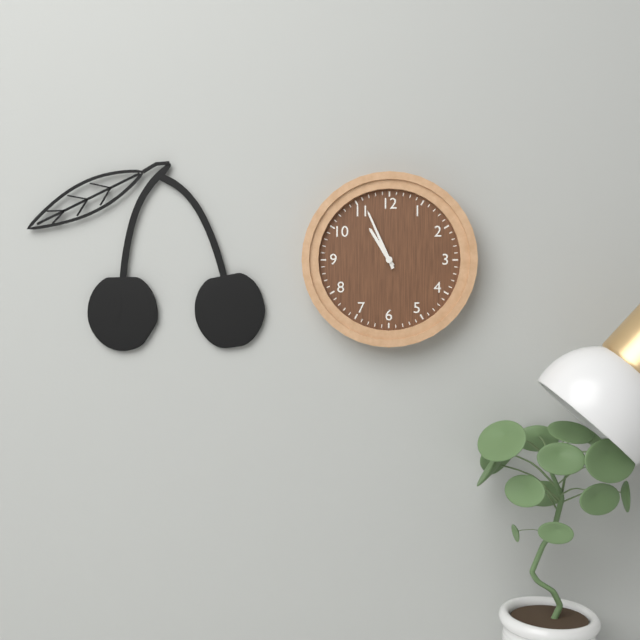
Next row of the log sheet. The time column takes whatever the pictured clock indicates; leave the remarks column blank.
10:56
